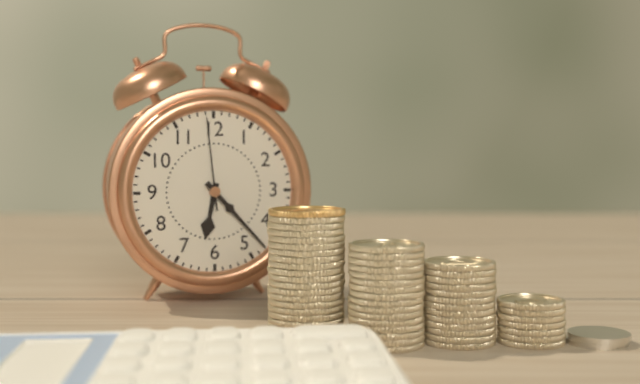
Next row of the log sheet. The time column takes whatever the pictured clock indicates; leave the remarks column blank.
6:23:59
